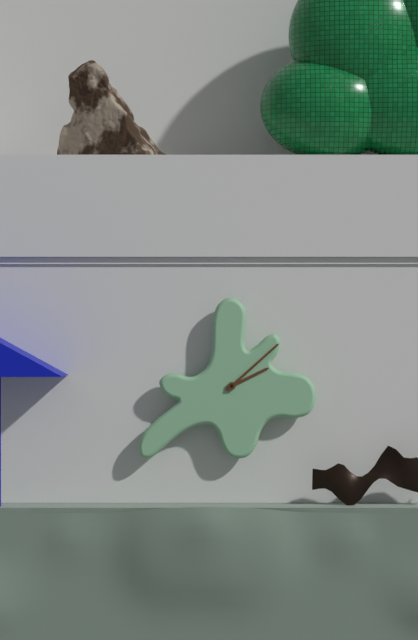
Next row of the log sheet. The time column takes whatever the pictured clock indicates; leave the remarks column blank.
2:08
